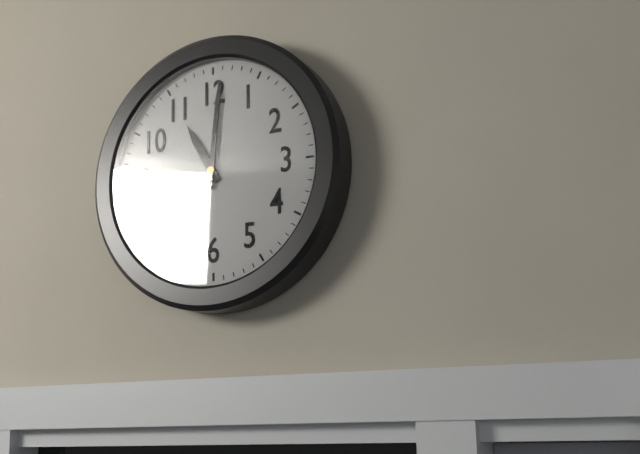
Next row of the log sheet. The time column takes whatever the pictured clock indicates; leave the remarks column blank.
11:01
